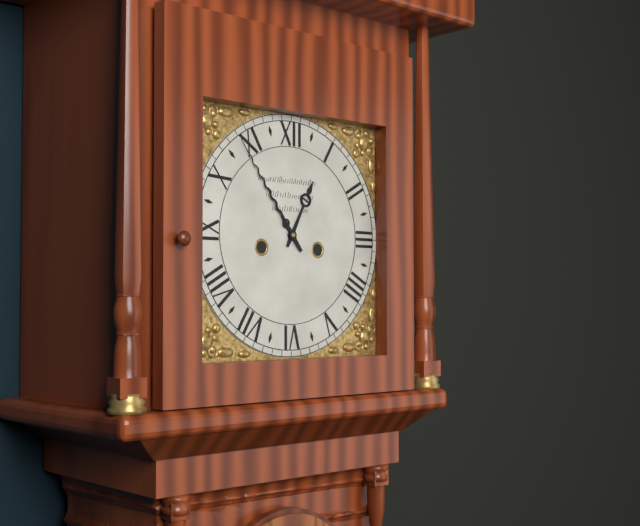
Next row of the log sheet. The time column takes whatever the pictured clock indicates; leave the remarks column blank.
12:54
